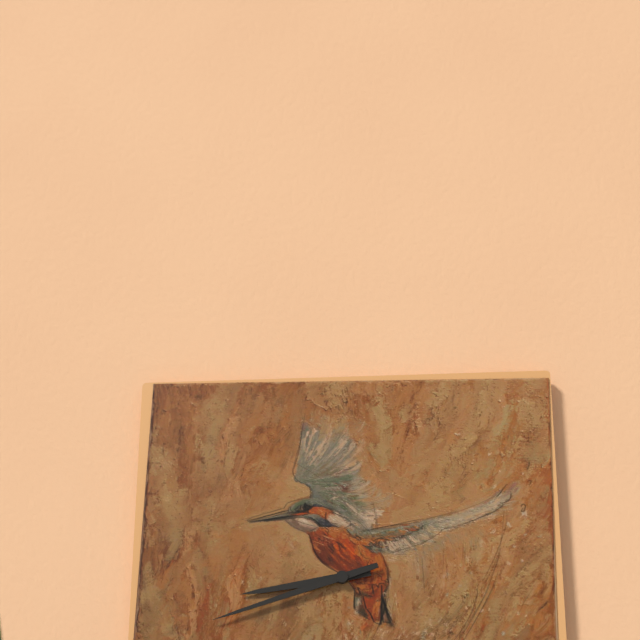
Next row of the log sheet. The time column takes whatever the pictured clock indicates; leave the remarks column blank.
8:42
